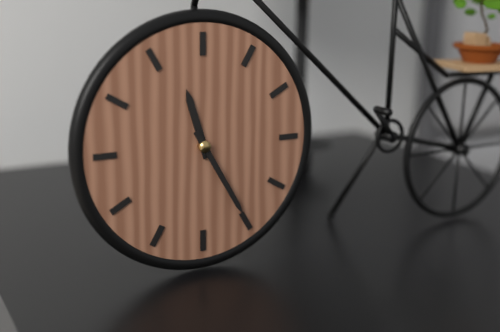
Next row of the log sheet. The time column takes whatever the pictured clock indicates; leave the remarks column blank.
11:25
